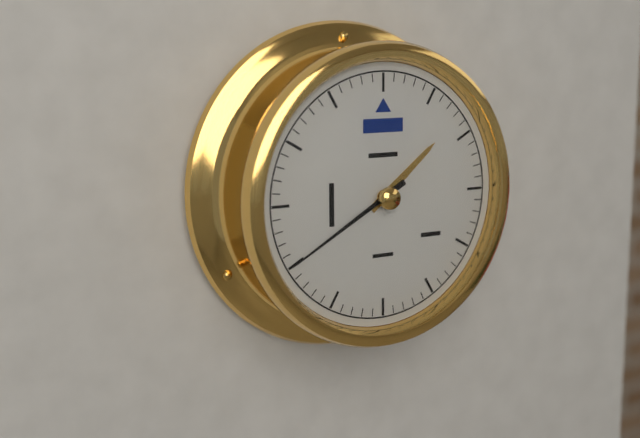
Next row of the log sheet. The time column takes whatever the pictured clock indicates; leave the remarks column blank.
1:40
